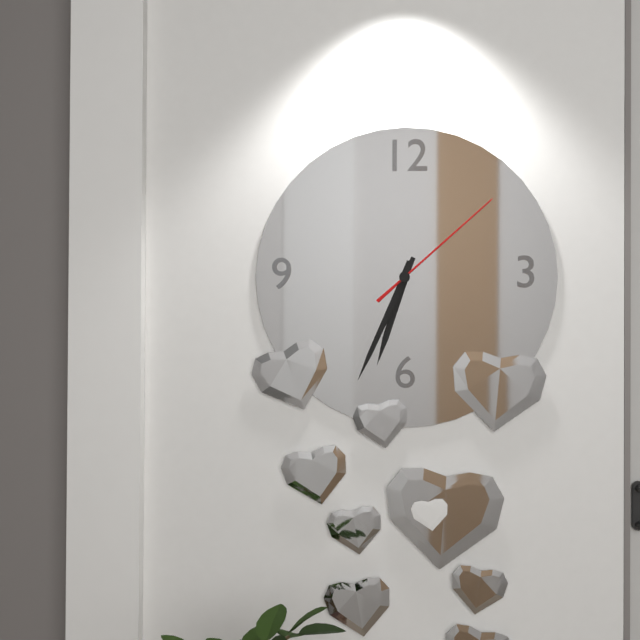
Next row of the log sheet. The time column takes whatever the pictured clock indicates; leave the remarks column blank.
6:34:08
